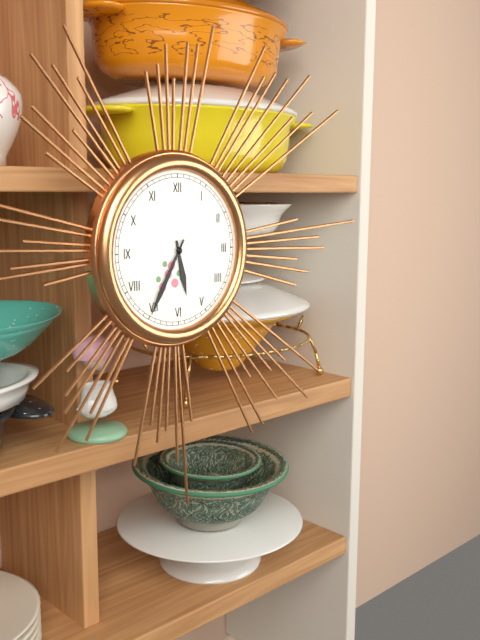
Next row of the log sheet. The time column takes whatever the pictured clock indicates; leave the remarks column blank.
5:35
